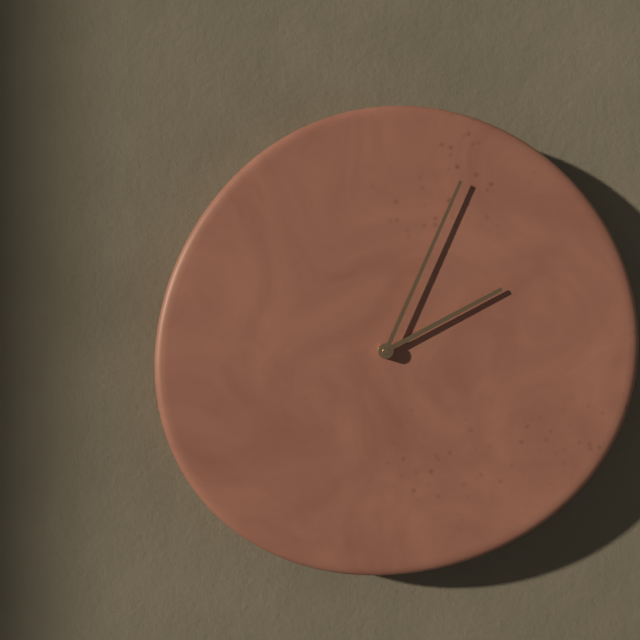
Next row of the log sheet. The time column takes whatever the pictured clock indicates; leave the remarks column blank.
2:04
